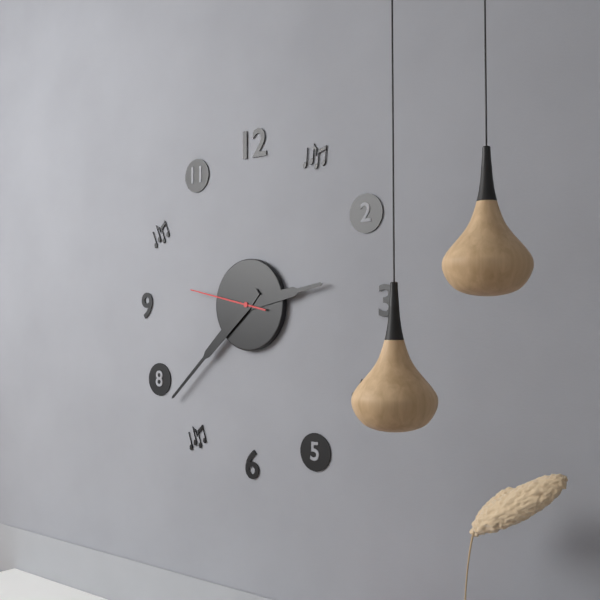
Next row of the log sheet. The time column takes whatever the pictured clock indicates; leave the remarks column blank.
2:38:47
